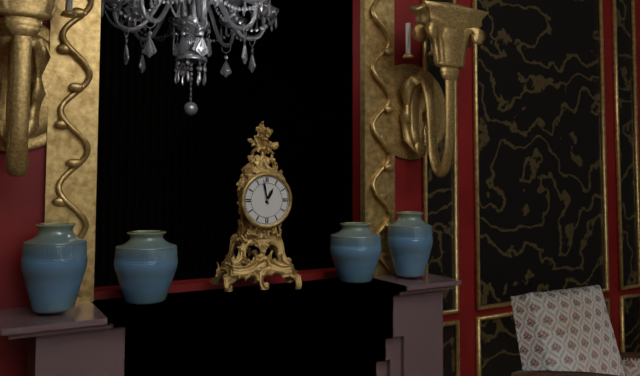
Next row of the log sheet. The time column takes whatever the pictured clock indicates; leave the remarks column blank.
12:58
